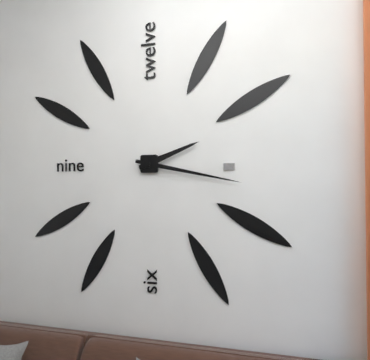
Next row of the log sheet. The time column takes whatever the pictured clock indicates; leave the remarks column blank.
2:17
